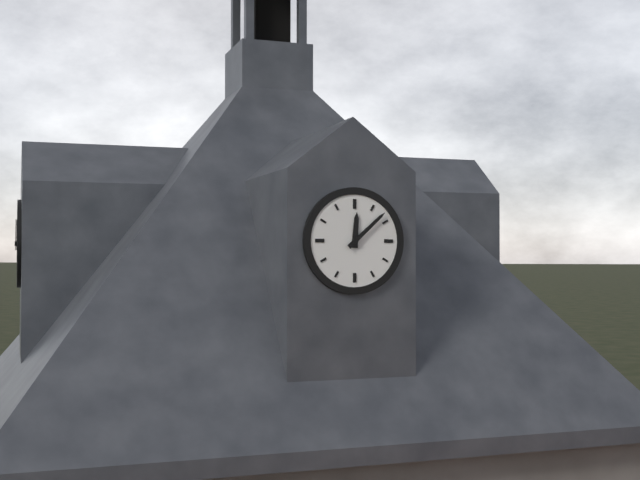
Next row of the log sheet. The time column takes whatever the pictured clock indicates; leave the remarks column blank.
12:08
